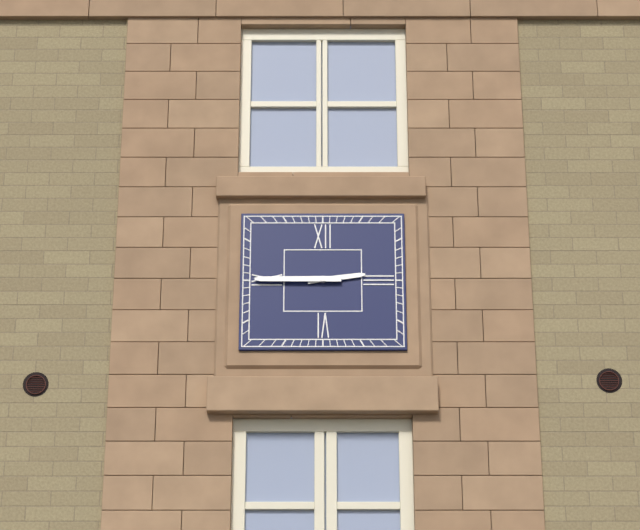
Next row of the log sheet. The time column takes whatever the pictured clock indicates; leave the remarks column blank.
2:45
